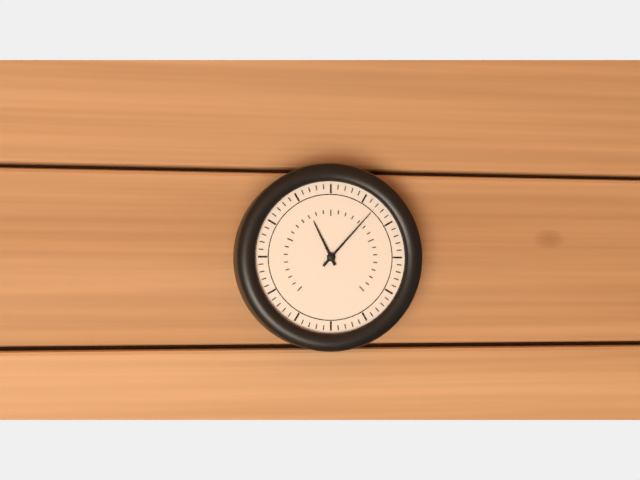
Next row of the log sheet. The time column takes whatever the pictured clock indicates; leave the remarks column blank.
11:07
